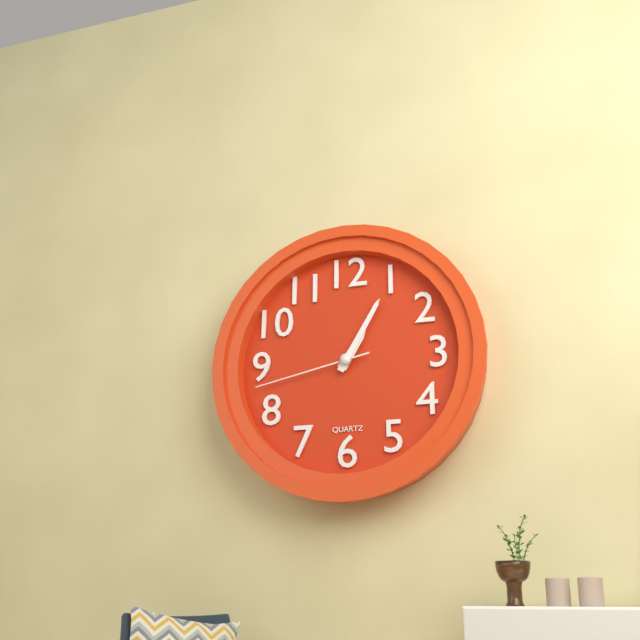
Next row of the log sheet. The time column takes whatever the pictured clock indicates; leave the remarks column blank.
1:05:43
